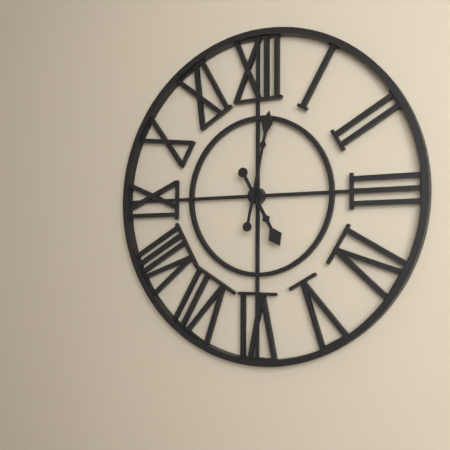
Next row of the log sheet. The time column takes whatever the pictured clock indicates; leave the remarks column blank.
5:02
